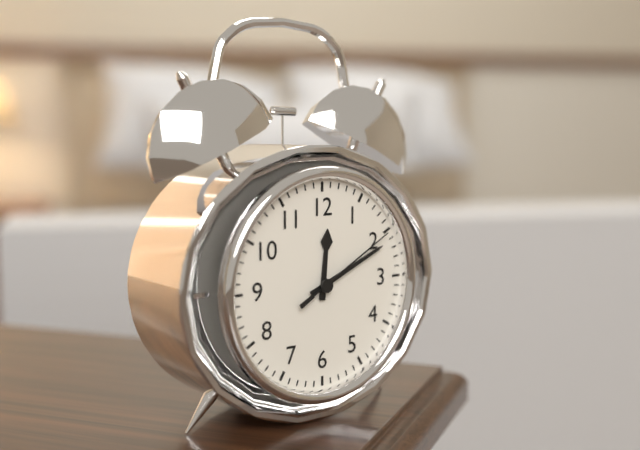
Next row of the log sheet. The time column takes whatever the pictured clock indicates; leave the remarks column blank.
12:11:10
